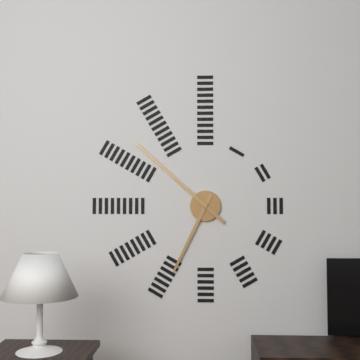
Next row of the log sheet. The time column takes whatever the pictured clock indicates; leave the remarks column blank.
6:52
